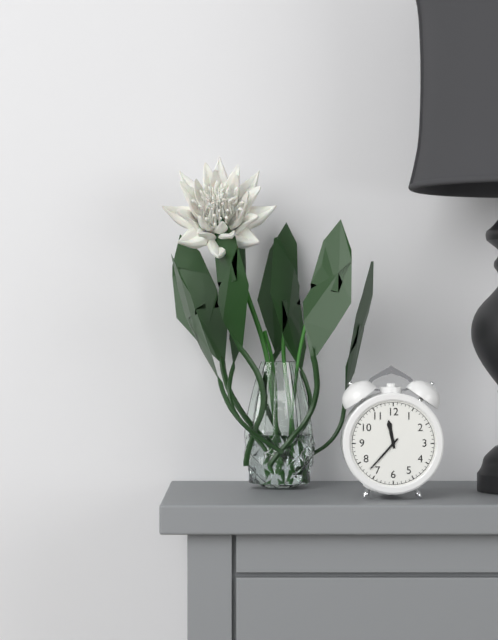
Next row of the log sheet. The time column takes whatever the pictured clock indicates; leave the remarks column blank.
11:37
